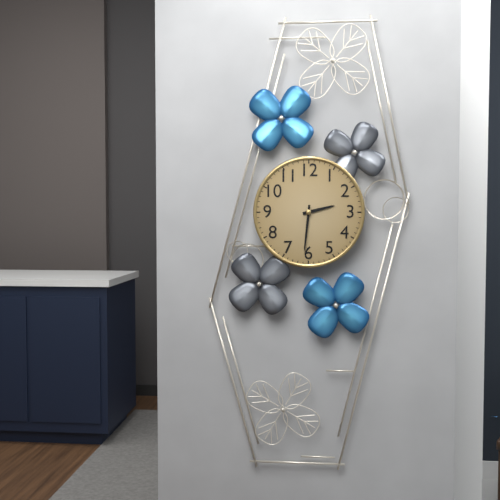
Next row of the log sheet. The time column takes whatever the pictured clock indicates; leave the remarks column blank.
2:31
